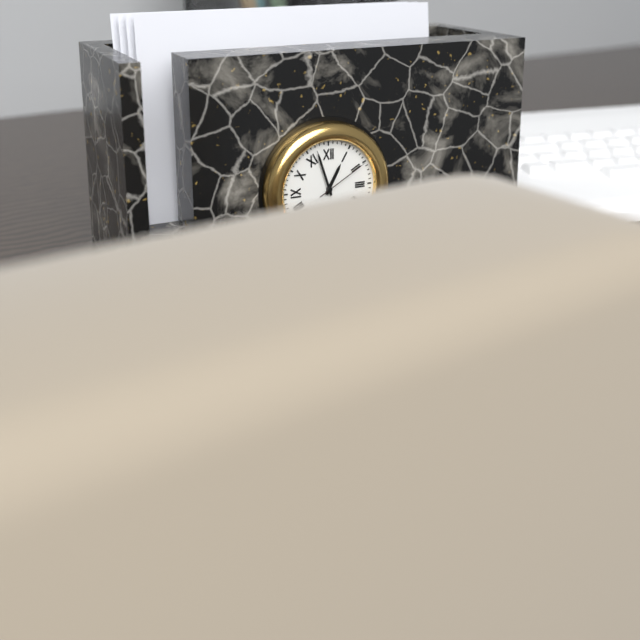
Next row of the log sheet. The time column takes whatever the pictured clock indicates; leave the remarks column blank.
12:57:10
